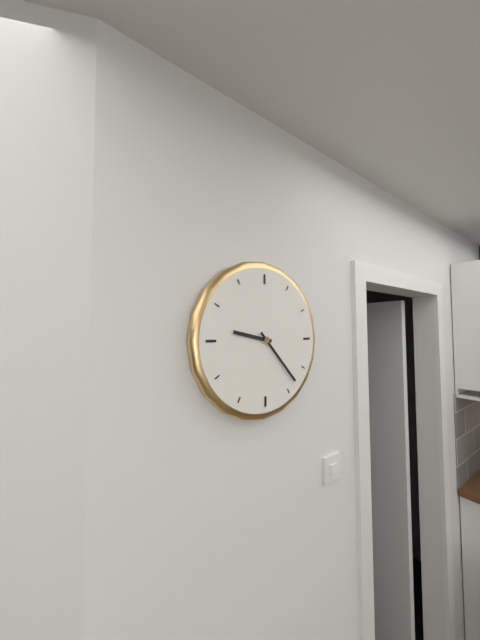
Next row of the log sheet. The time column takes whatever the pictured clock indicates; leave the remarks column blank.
9:23
